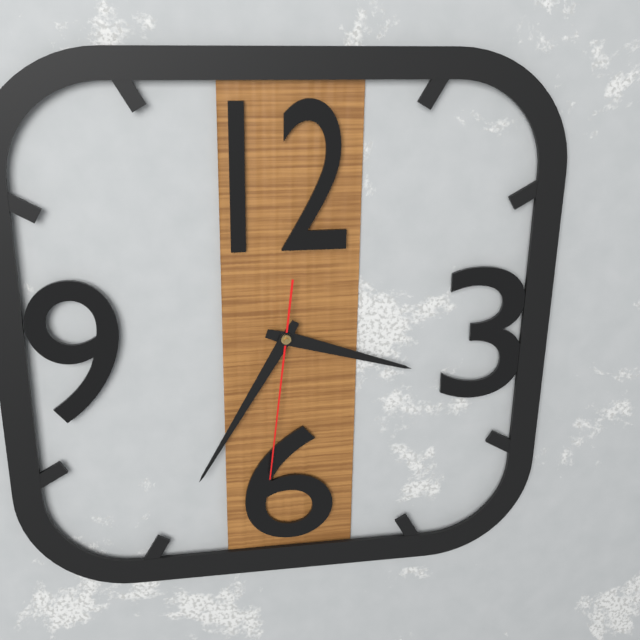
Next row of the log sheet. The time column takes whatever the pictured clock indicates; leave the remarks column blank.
3:35:31
